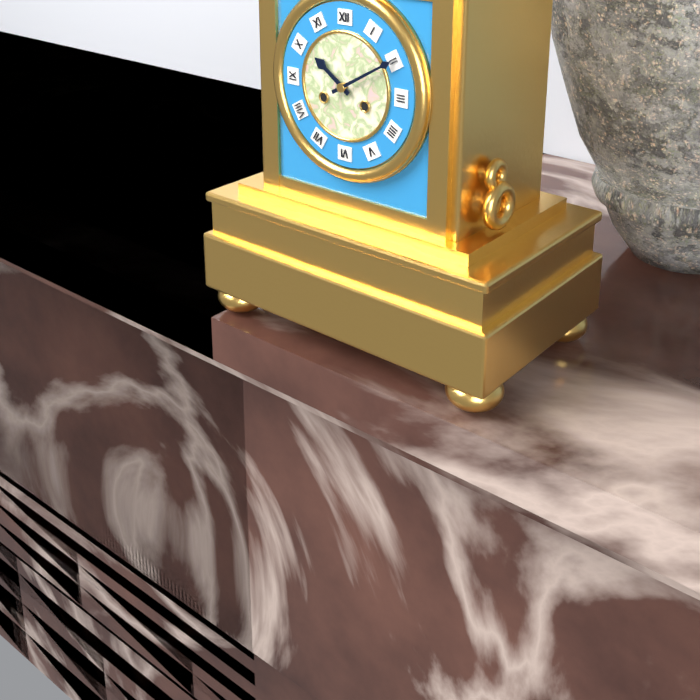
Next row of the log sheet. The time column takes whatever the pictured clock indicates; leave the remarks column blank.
10:10
